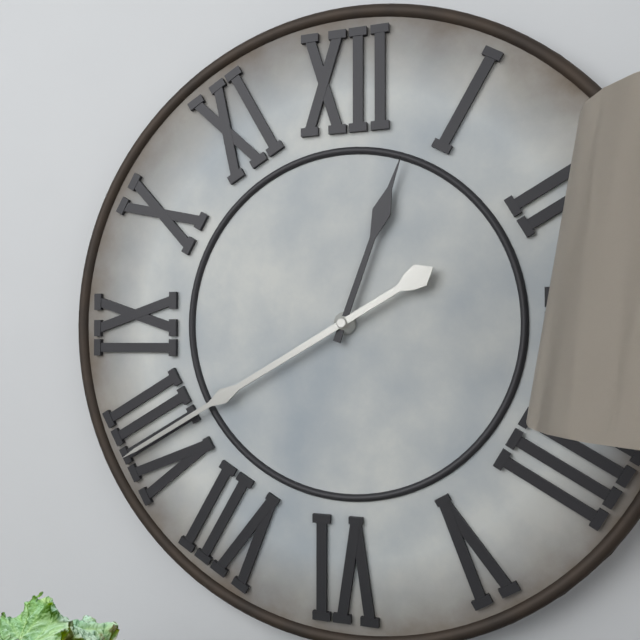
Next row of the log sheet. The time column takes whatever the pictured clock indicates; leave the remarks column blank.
12:40
